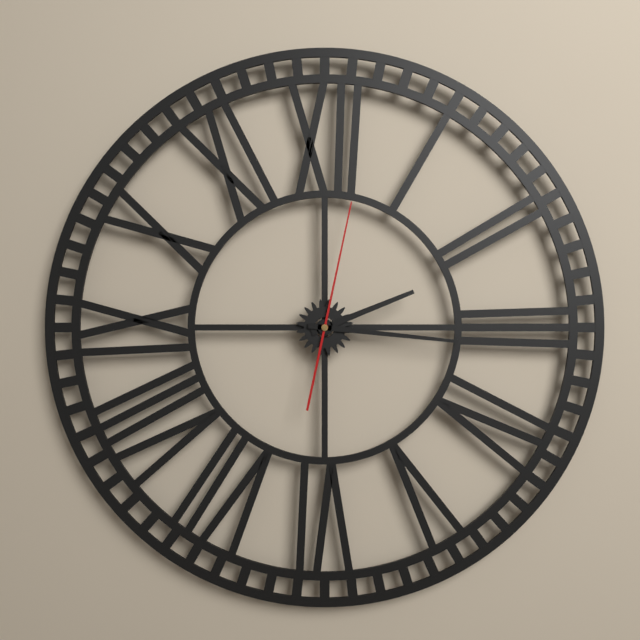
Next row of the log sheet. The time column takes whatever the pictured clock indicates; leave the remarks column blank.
2:16:02
